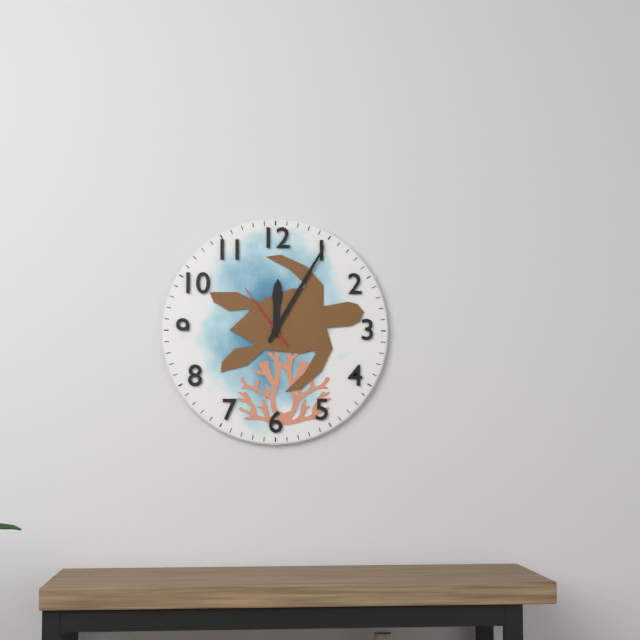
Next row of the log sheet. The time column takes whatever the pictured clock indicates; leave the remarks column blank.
12:05:54
